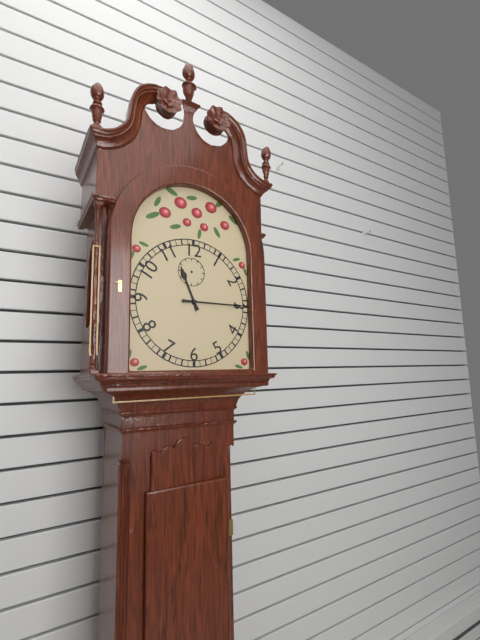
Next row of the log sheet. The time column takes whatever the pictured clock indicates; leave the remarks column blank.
11:15
